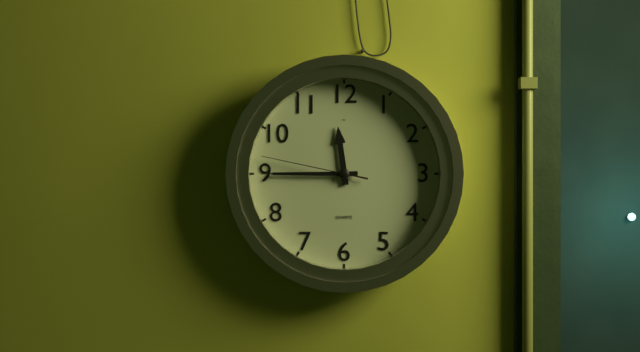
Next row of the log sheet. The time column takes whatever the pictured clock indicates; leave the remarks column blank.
11:45:47
